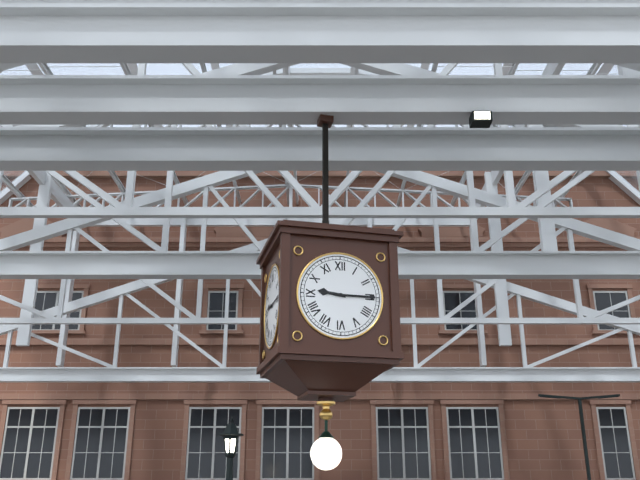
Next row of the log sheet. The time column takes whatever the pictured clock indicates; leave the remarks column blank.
9:15
